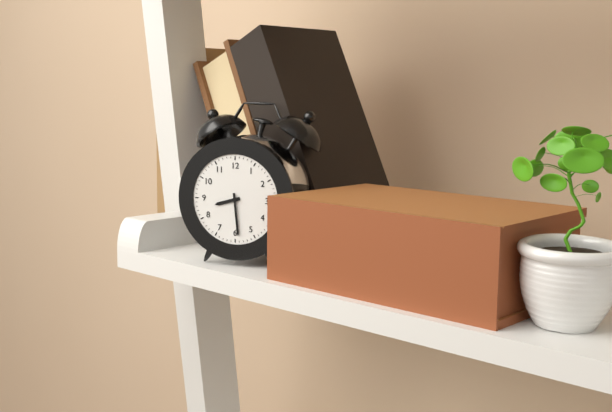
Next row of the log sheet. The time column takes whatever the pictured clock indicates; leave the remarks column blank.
8:29
